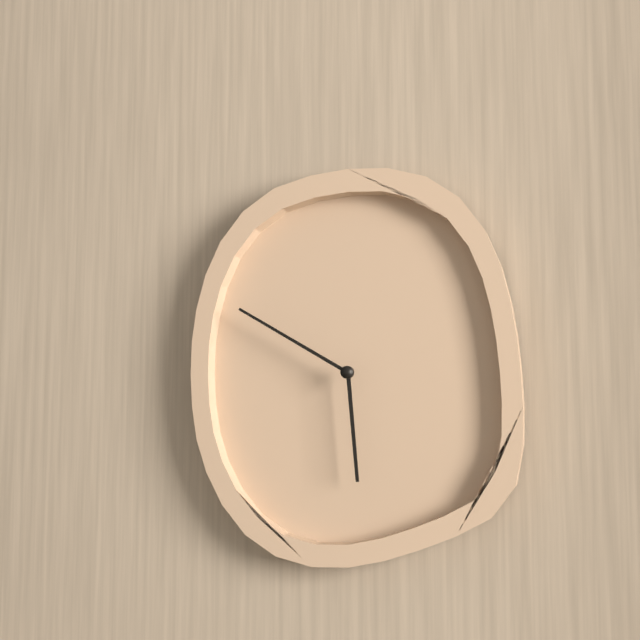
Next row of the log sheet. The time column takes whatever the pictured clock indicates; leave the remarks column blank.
5:50
